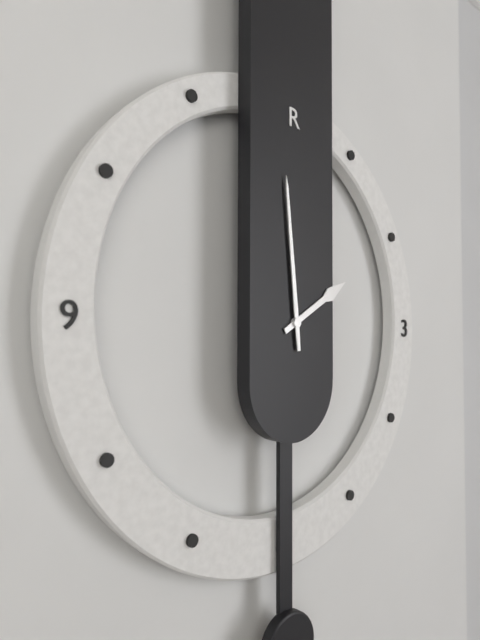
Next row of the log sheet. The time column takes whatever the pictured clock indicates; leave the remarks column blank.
1:59
